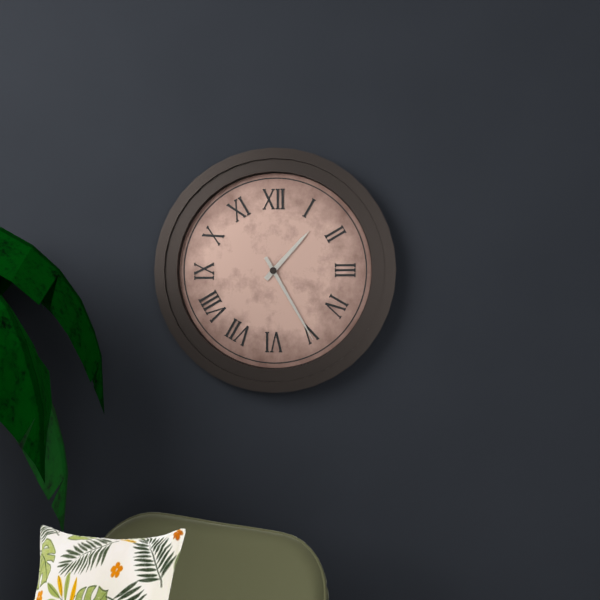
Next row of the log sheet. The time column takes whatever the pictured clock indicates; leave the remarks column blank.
1:25
